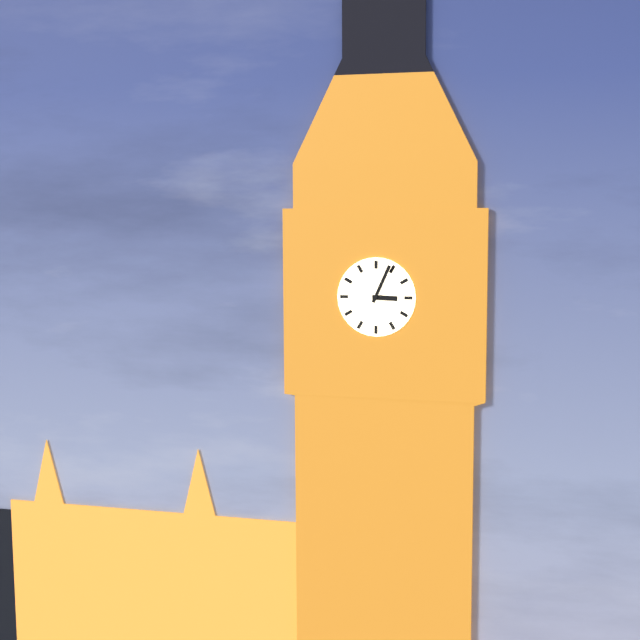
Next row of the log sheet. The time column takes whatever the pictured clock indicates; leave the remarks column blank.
3:04
